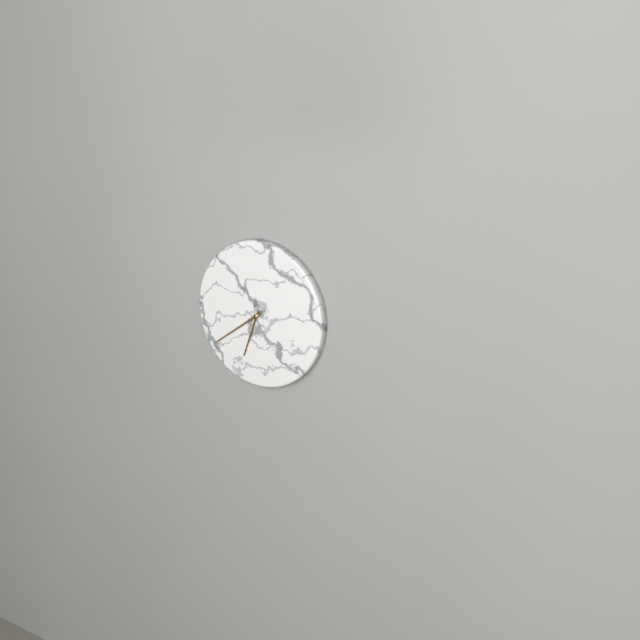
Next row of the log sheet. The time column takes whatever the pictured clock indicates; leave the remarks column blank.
6:39
